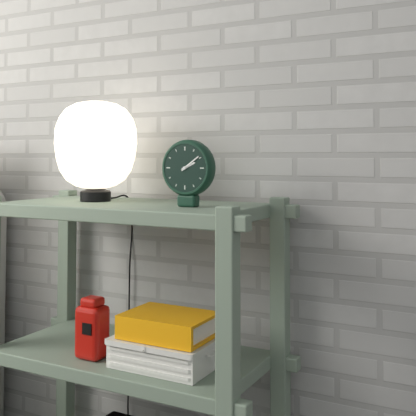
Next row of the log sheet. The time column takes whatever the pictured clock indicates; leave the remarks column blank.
2:09
